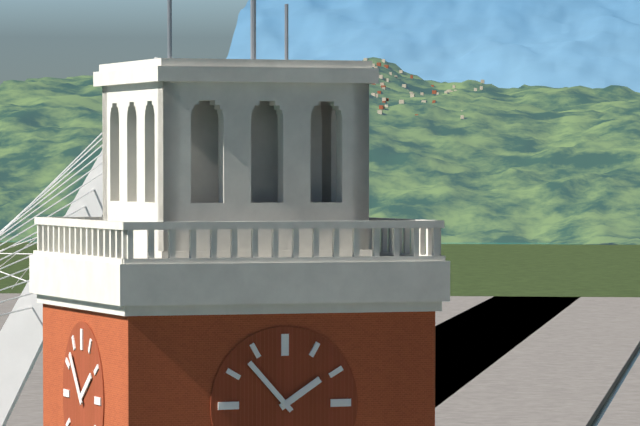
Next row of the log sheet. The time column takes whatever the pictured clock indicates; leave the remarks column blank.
1:53
